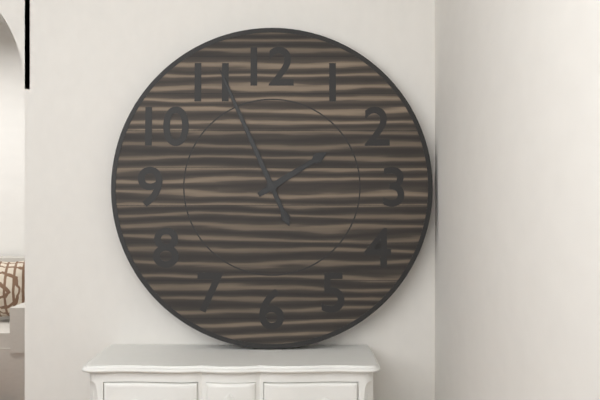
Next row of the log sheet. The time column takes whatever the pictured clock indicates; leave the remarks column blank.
1:56
